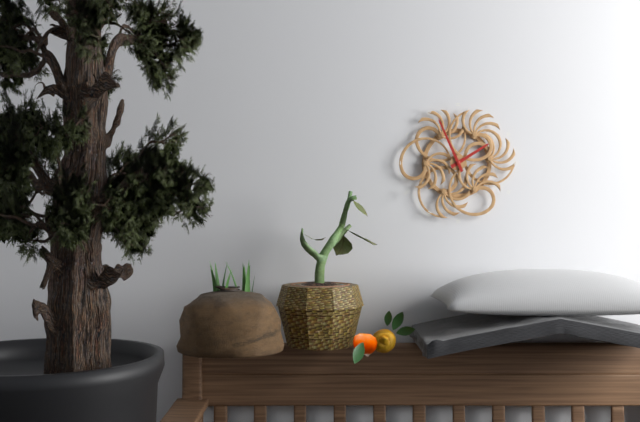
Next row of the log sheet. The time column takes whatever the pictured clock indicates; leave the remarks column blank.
1:56
